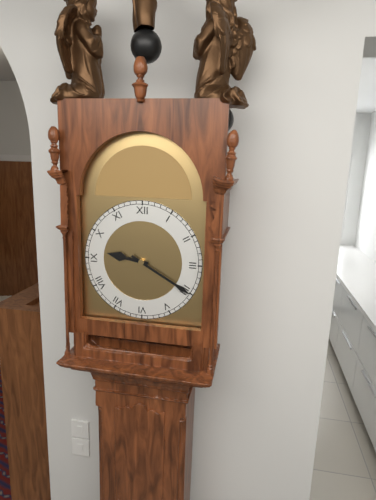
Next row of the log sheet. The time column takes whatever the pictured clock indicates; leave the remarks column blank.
9:20
